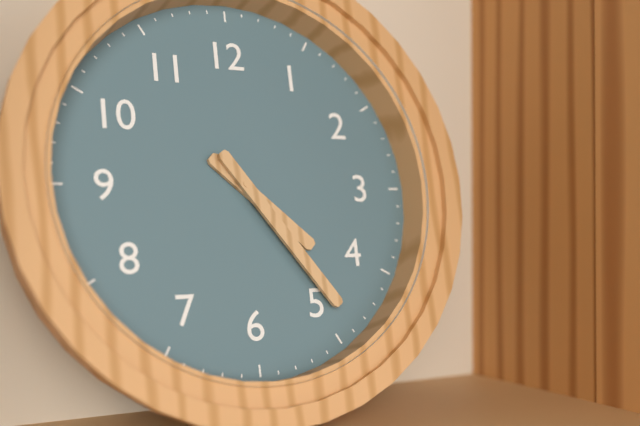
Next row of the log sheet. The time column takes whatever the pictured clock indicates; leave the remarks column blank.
4:24
